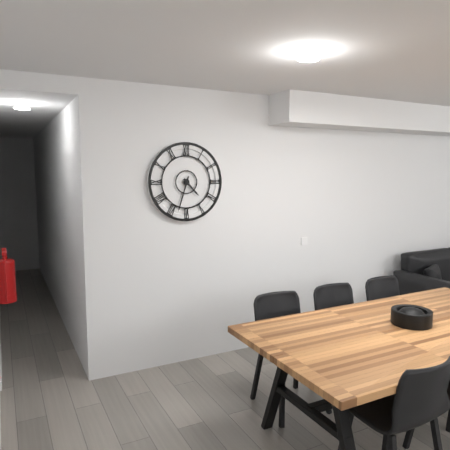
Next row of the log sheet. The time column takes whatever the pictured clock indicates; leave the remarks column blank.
4:33
